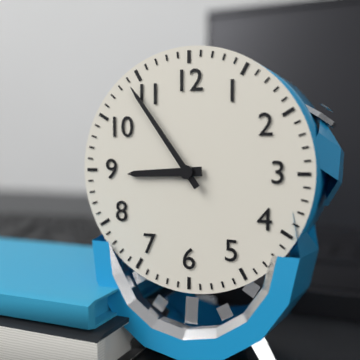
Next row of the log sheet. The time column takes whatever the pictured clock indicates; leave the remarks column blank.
8:54
